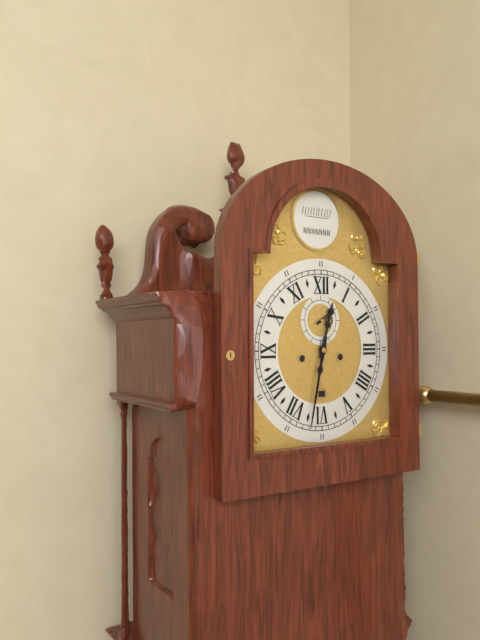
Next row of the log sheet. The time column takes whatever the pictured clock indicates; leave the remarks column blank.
12:32
